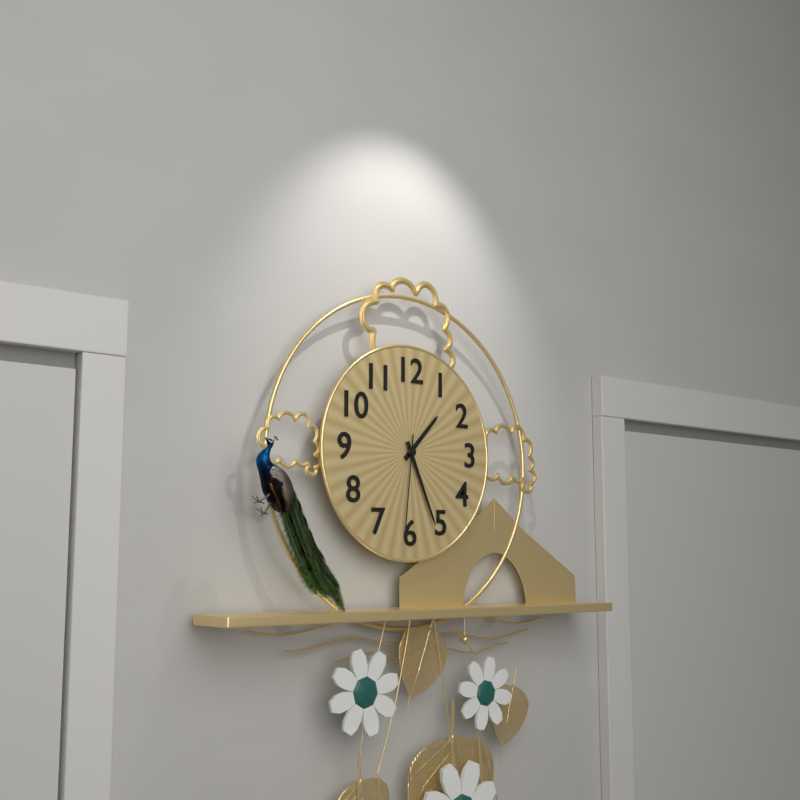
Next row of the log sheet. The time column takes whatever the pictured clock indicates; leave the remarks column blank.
1:26:31
